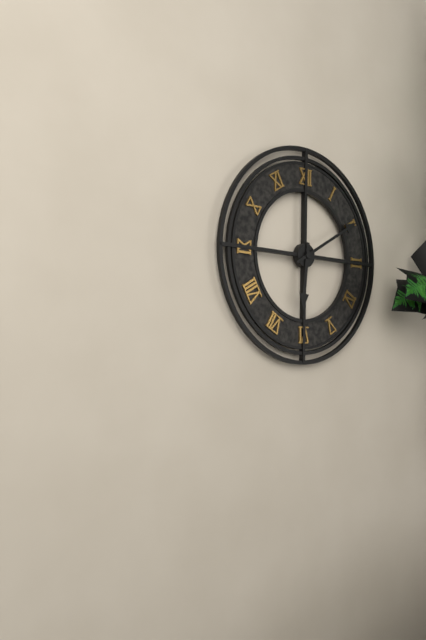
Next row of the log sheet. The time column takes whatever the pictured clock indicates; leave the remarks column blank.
6:10
